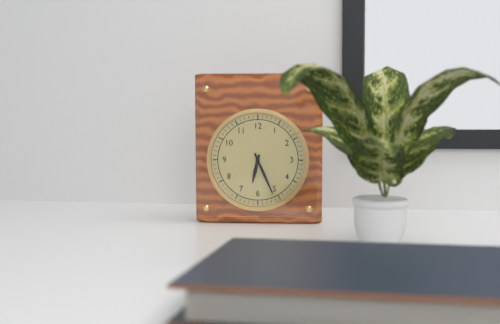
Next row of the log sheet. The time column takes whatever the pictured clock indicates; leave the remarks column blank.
6:26
